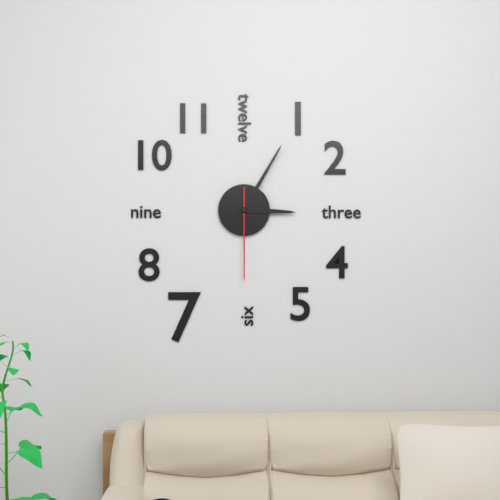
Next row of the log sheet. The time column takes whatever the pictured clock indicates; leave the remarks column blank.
3:05:30
